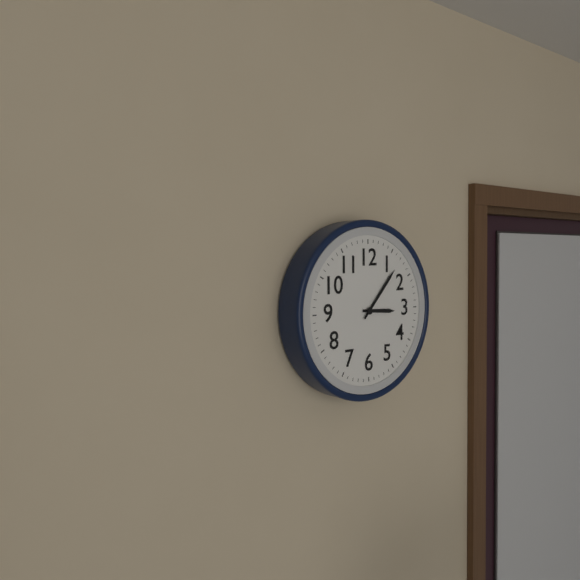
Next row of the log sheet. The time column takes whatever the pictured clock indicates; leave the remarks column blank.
3:07
